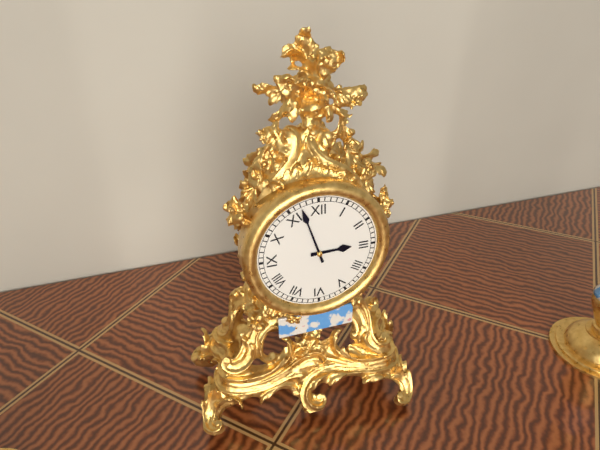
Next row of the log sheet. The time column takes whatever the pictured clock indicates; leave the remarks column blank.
2:57
